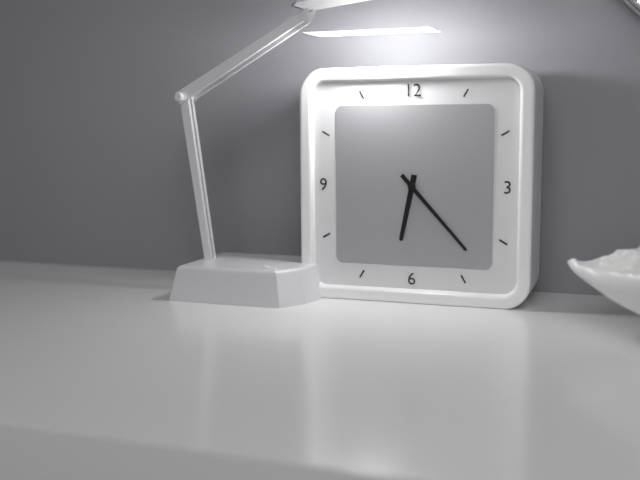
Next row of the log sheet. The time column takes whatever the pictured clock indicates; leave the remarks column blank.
6:23
